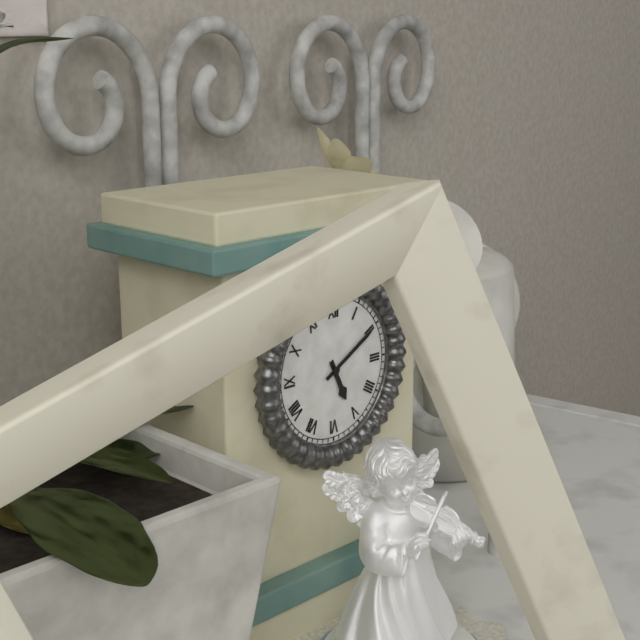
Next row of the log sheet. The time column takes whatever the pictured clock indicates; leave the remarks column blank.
5:10
